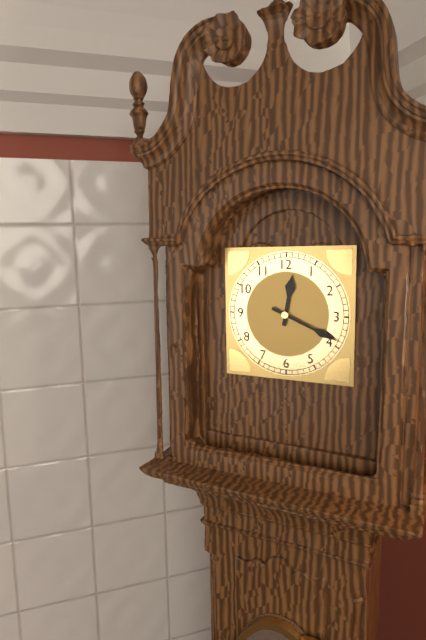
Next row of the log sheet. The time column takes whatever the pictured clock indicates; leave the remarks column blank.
12:19
